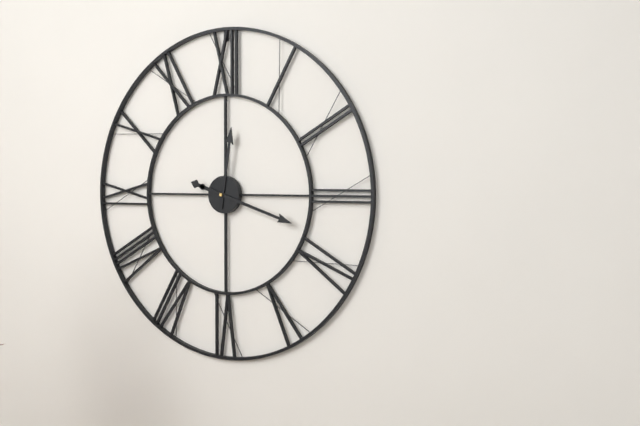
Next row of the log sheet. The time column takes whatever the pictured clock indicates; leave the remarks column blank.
12:18
